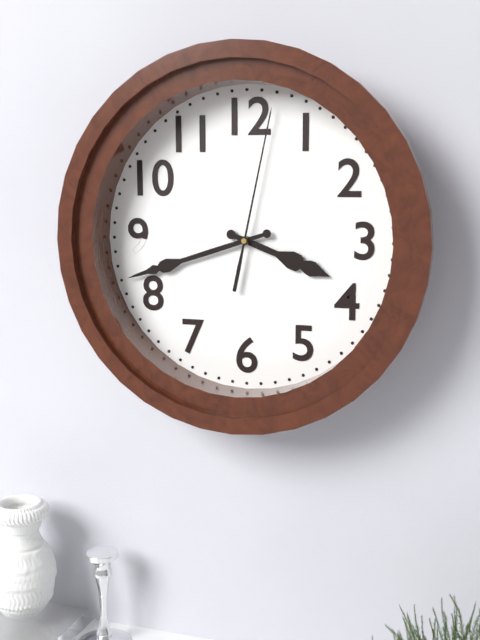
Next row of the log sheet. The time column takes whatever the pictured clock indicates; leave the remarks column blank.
3:42:02
